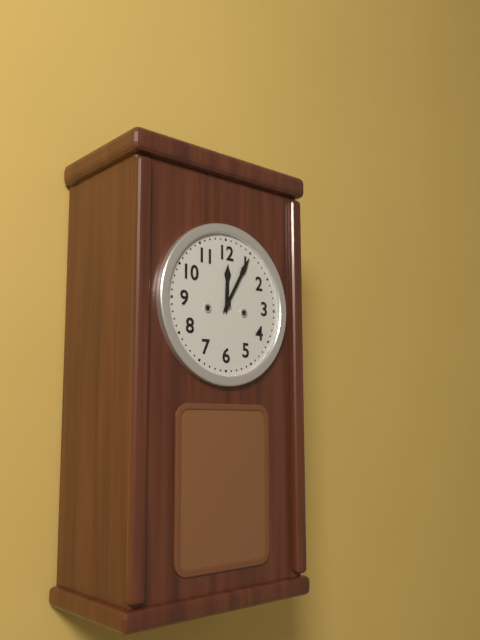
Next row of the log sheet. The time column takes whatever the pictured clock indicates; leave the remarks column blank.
12:05
